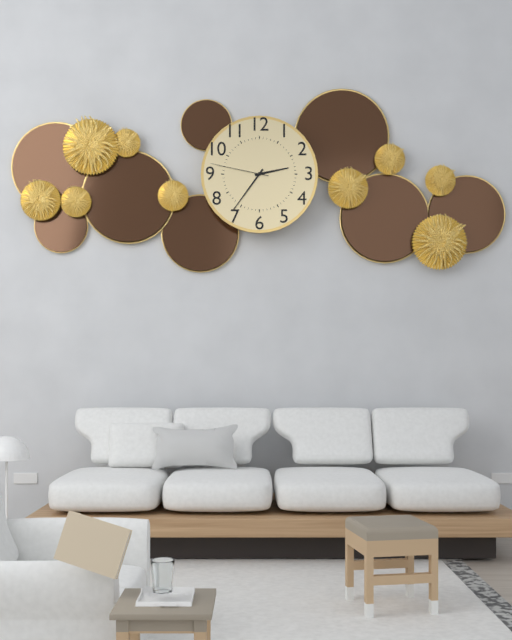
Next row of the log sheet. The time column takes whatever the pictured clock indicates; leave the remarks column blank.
2:36:47
